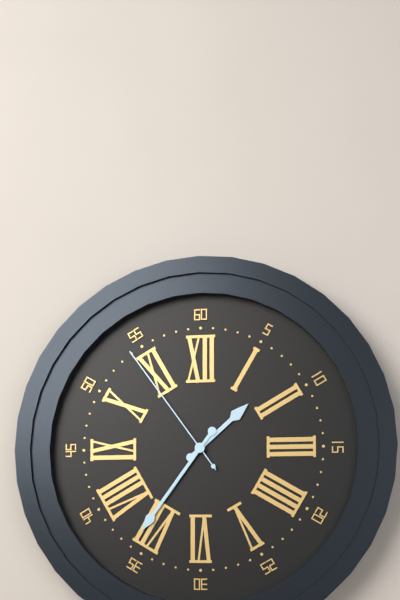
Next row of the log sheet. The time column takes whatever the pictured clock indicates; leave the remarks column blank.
1:36:54
